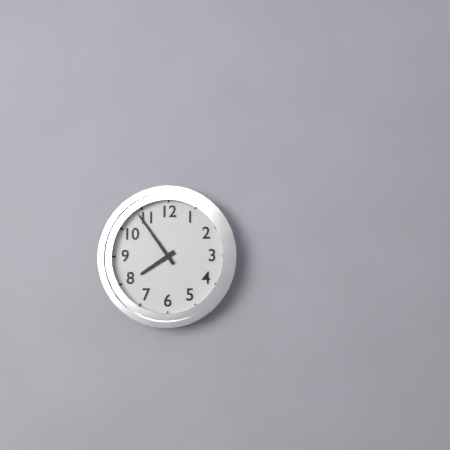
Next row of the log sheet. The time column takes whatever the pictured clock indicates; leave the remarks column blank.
7:54
